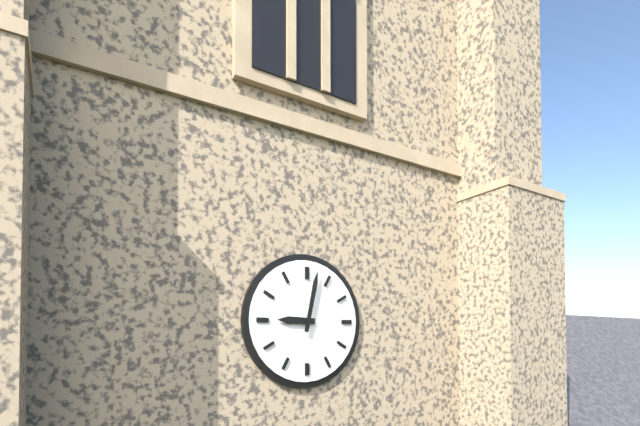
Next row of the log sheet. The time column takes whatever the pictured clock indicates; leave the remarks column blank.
9:02
